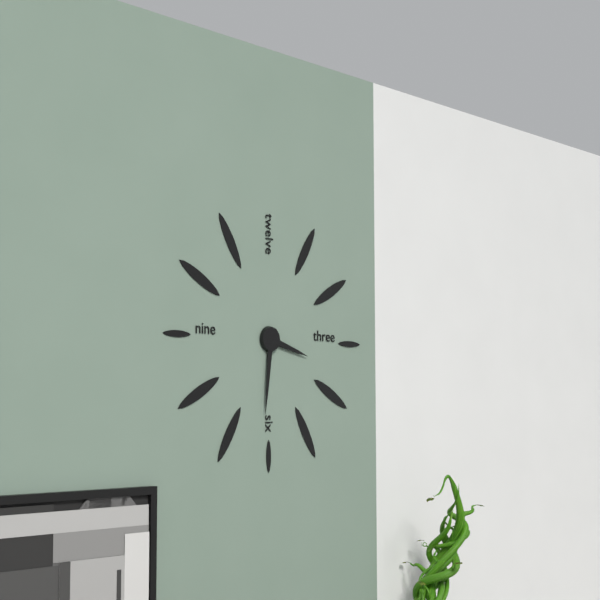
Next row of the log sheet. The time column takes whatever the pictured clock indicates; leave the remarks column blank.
3:31
